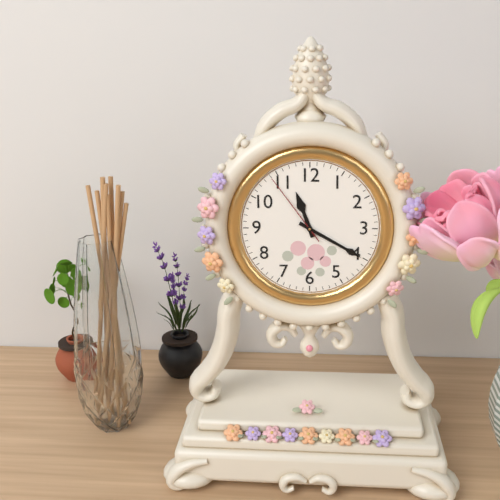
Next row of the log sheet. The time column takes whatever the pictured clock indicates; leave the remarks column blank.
11:20:54
